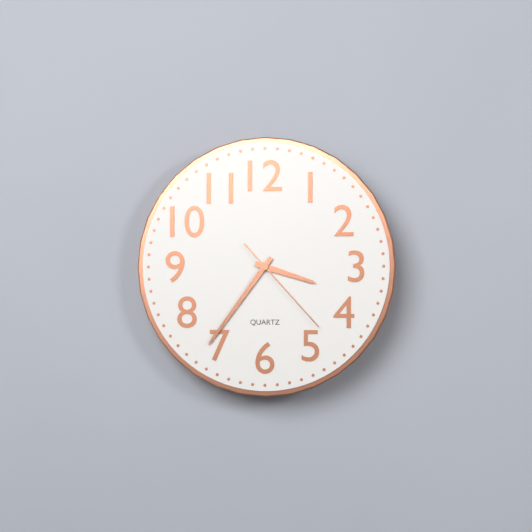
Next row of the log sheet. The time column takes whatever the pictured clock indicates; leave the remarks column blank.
3:36:23
